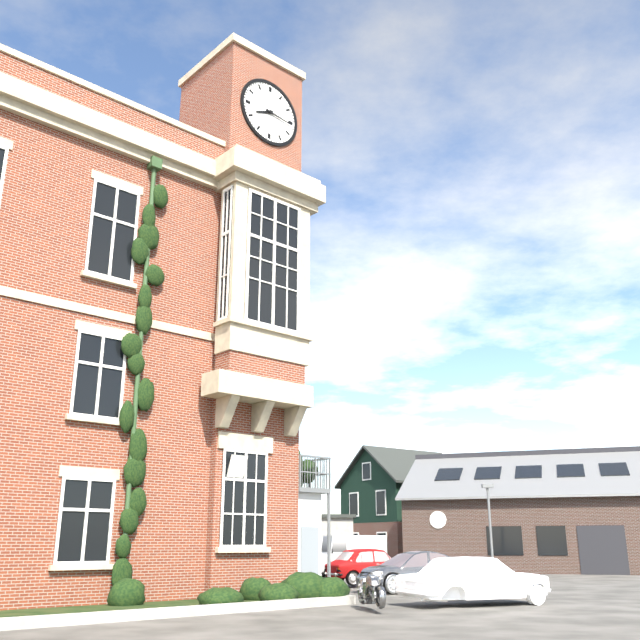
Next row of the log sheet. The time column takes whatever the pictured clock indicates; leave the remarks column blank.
8:16
